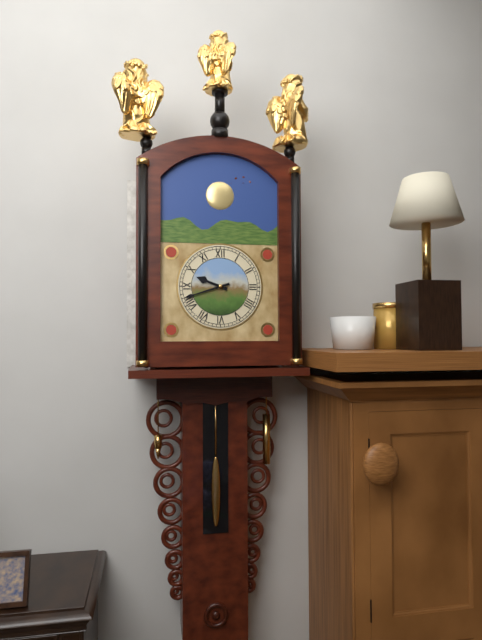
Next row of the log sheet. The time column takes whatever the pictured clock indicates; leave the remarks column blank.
9:42
